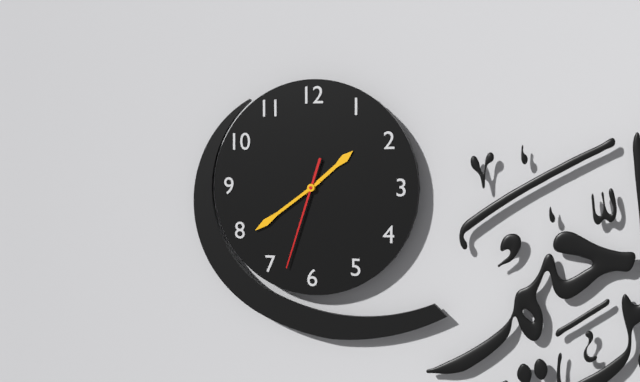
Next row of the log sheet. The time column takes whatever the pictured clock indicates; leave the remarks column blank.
1:39:33
